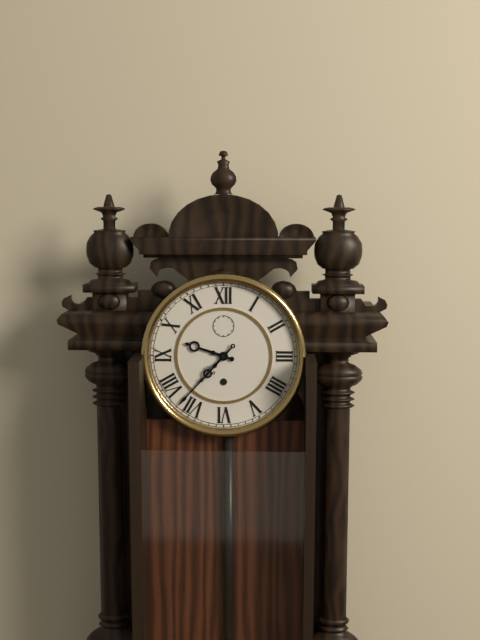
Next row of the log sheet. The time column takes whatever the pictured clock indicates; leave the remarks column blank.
9:37
